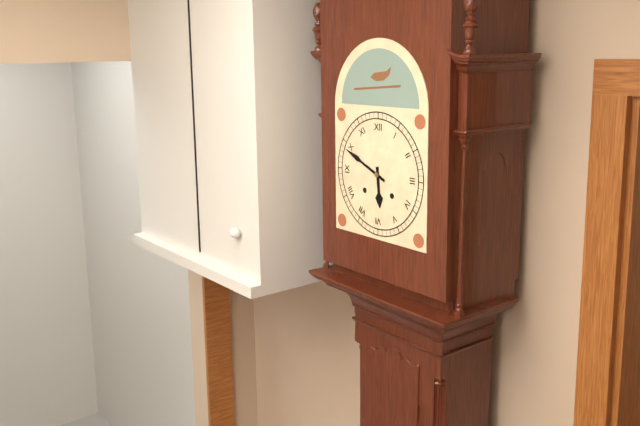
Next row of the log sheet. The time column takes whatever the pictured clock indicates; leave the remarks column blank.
5:49
